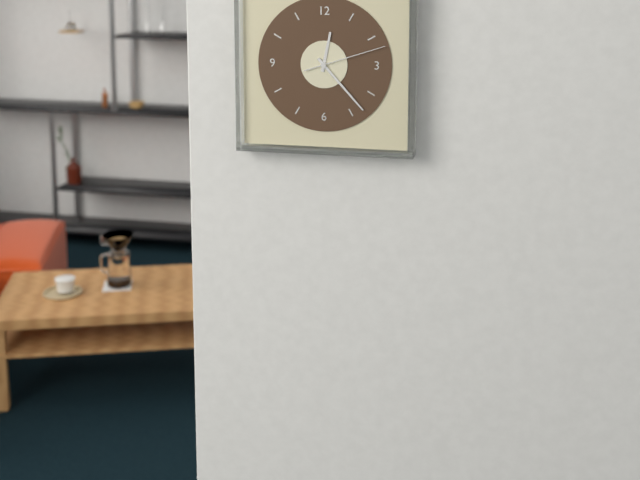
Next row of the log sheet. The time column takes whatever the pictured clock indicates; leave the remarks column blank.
12:23:12
